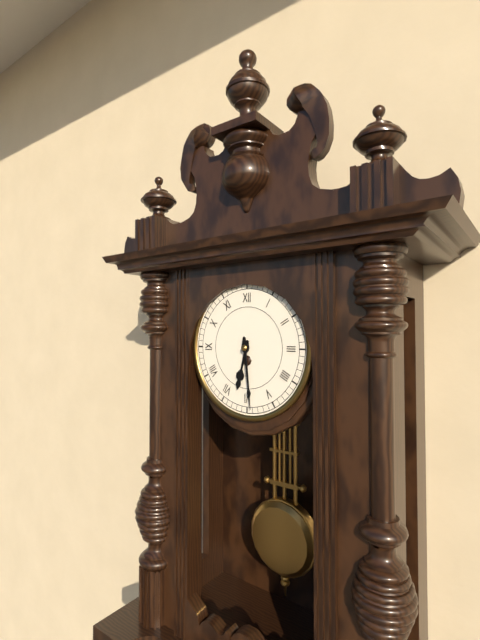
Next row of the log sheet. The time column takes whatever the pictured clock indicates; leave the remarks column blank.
6:29
